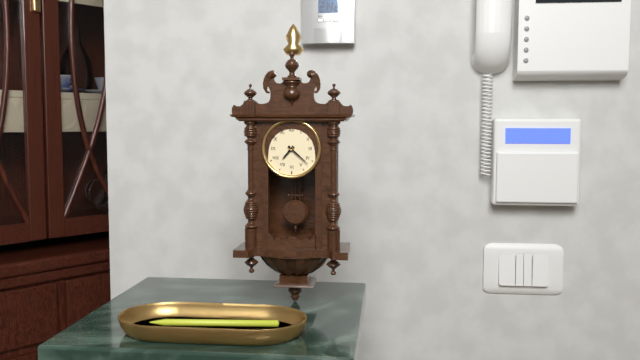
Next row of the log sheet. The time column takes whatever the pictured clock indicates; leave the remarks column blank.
7:22
